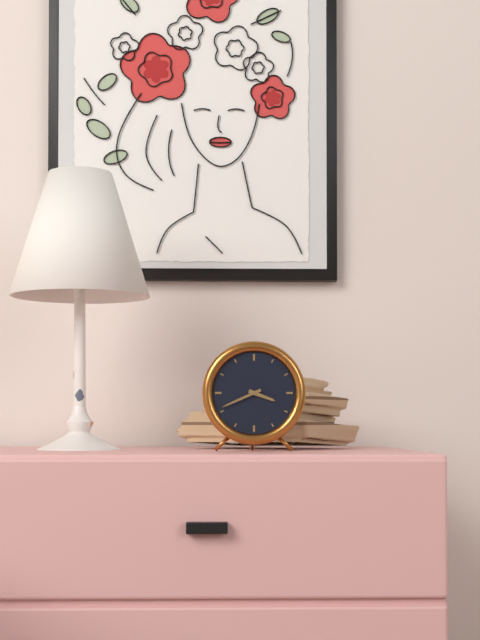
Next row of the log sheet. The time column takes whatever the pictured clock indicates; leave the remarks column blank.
3:41
